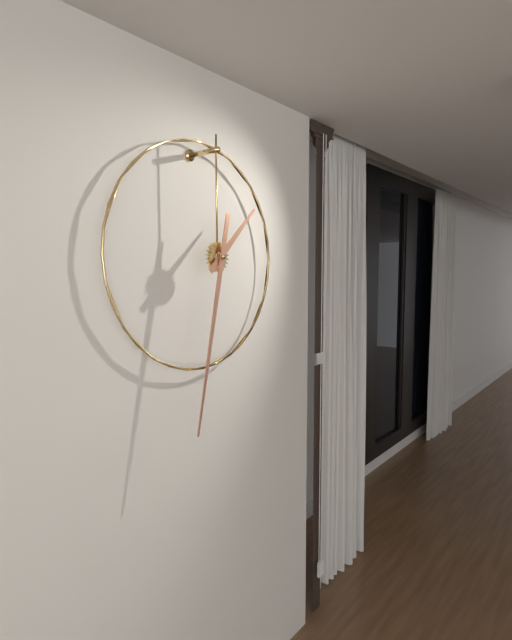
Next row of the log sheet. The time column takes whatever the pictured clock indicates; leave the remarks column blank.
1:32
